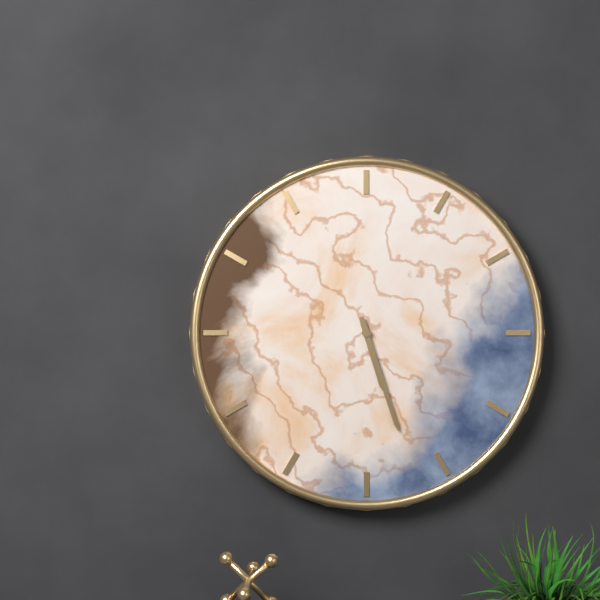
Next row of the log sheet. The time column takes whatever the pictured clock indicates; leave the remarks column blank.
5:27
